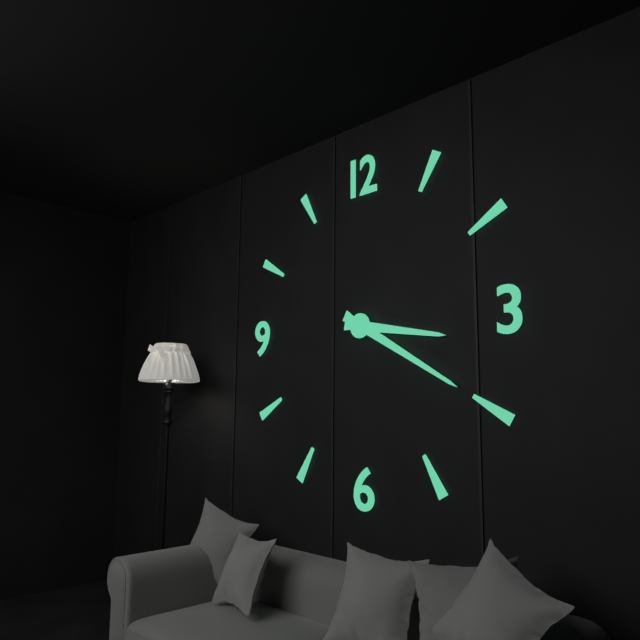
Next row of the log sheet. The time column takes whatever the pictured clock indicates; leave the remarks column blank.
3:20
